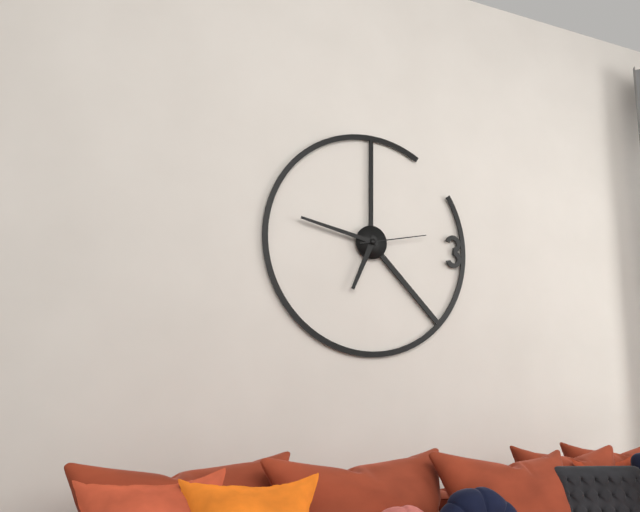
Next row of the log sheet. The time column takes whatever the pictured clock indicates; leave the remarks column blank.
6:47:13
